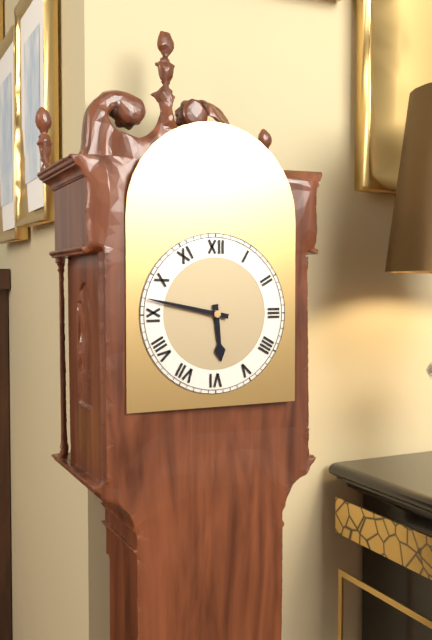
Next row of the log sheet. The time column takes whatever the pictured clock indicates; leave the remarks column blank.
5:47
